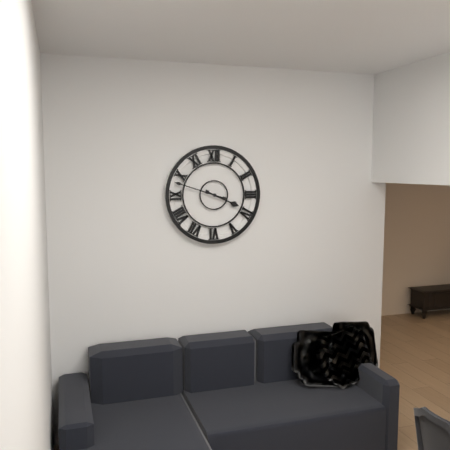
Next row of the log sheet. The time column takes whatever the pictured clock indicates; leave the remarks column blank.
3:48
